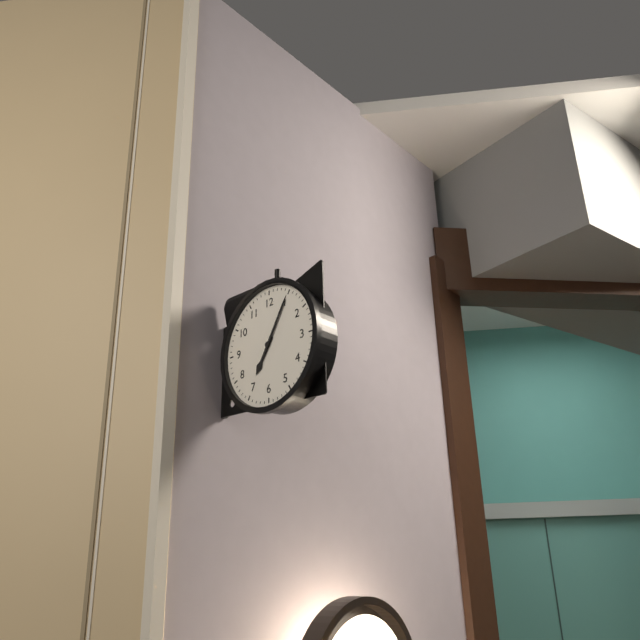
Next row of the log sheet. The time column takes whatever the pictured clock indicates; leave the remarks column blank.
7:05
